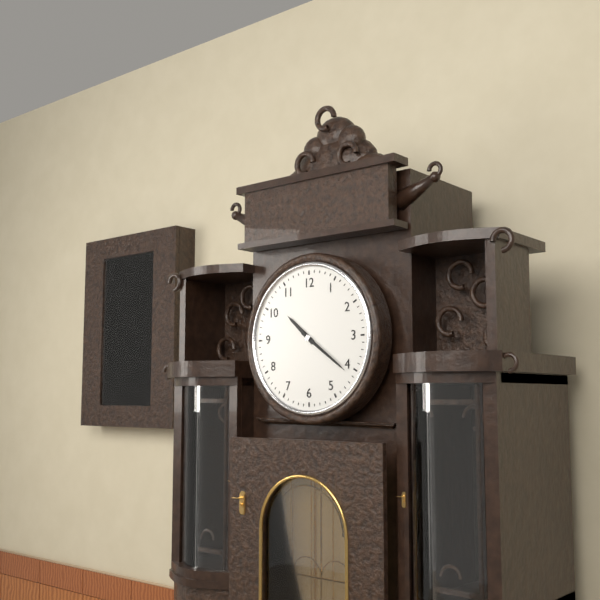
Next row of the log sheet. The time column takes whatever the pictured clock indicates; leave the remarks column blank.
10:21
